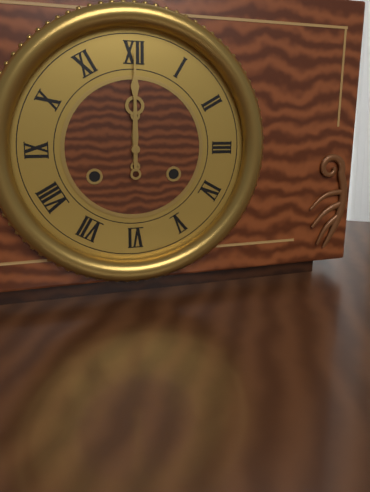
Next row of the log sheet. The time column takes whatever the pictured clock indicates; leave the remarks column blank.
12:00
